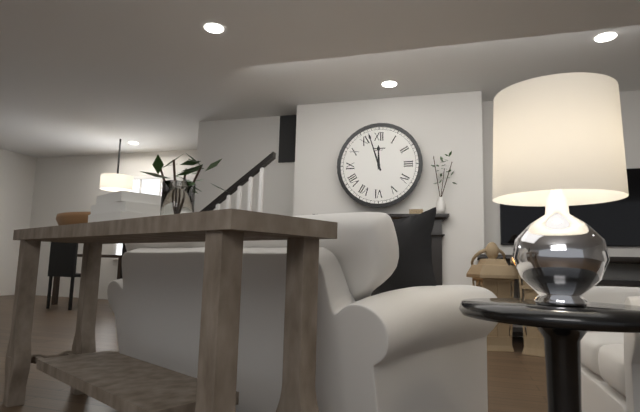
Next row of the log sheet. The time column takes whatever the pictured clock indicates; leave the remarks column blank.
11:57
